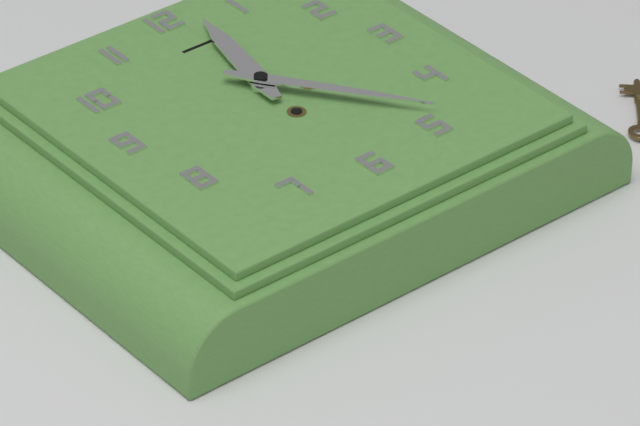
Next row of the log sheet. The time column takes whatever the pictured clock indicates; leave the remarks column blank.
12:24
